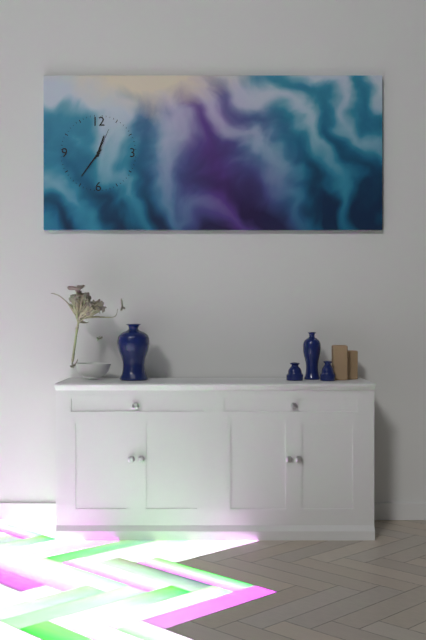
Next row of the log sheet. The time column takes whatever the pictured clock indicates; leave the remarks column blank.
12:36
